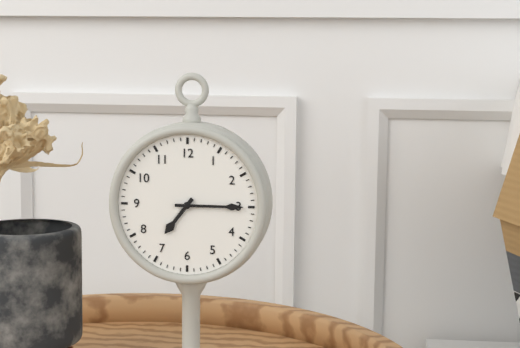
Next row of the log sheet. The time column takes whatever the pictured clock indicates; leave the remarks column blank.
7:15
